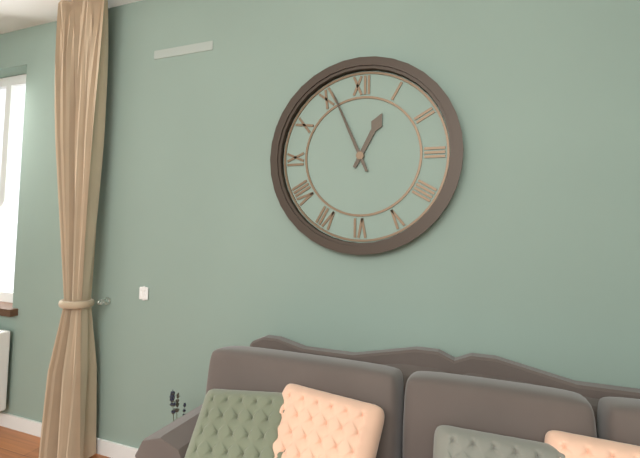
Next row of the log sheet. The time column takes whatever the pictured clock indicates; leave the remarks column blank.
12:56
